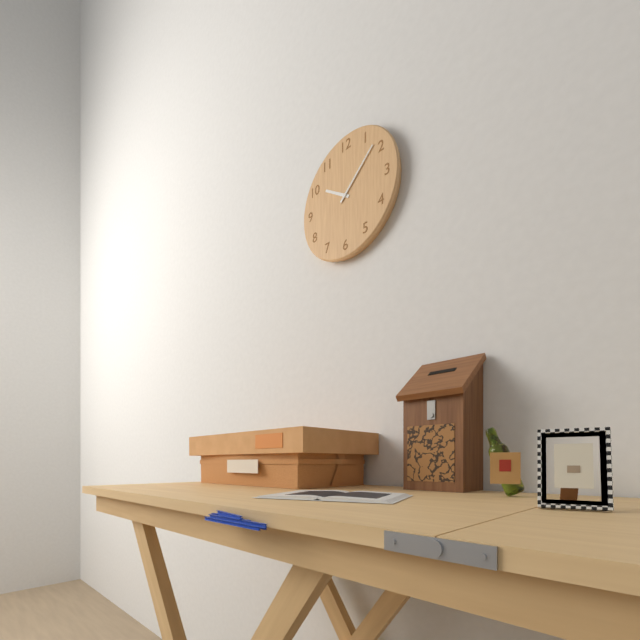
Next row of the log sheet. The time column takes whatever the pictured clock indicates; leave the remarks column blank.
10:08
